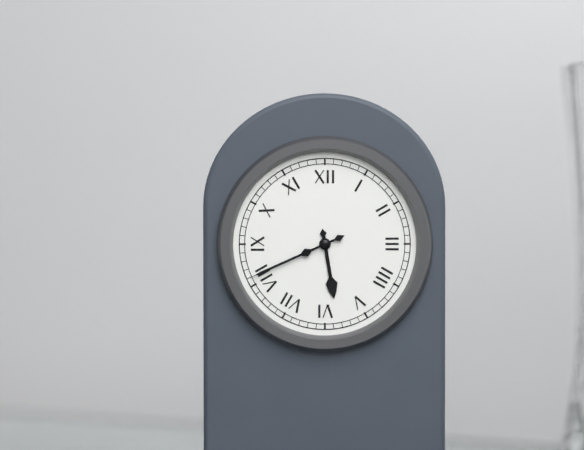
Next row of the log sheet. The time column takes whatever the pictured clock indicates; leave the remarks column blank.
5:41
